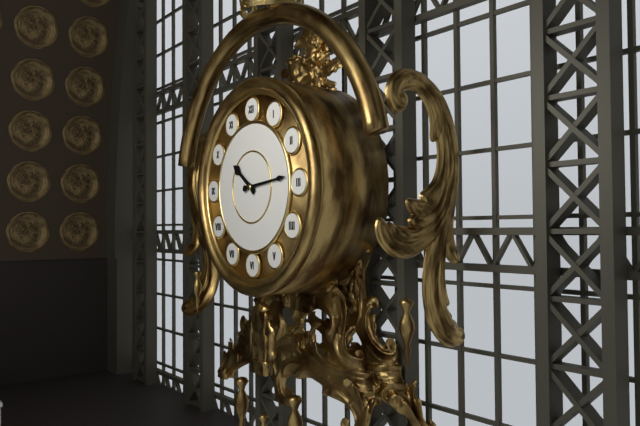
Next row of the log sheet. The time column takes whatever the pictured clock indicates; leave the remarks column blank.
10:14
